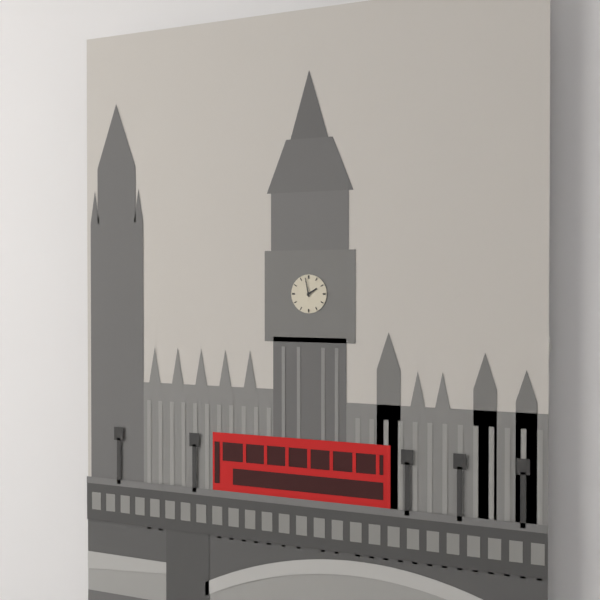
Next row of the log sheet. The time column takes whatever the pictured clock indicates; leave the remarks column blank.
1:58
